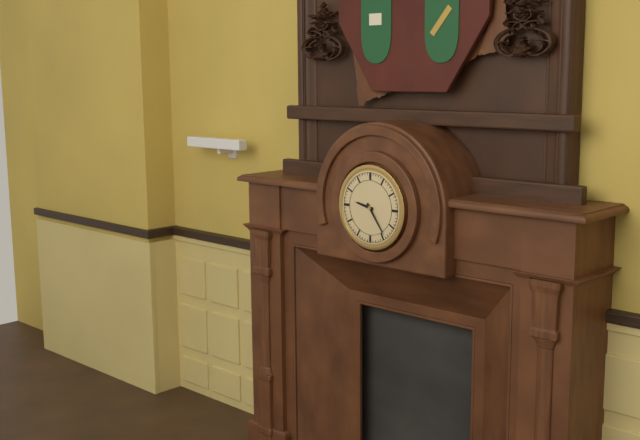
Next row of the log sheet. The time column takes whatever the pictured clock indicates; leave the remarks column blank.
9:24
